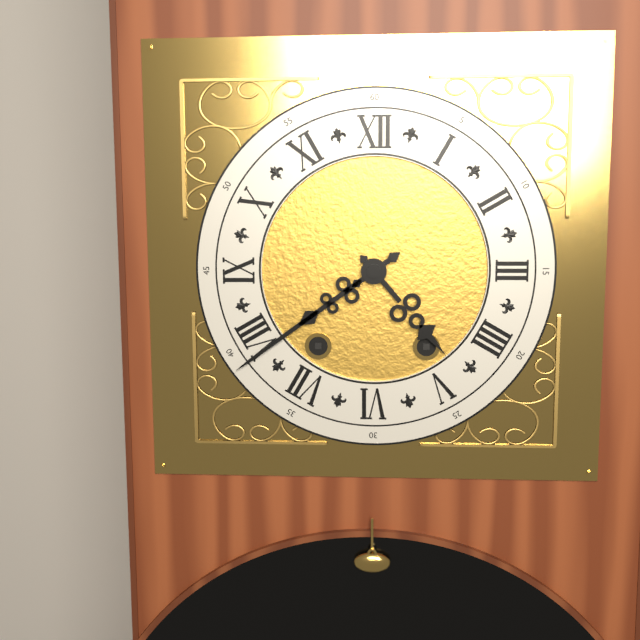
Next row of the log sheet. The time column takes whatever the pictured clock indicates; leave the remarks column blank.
4:39
